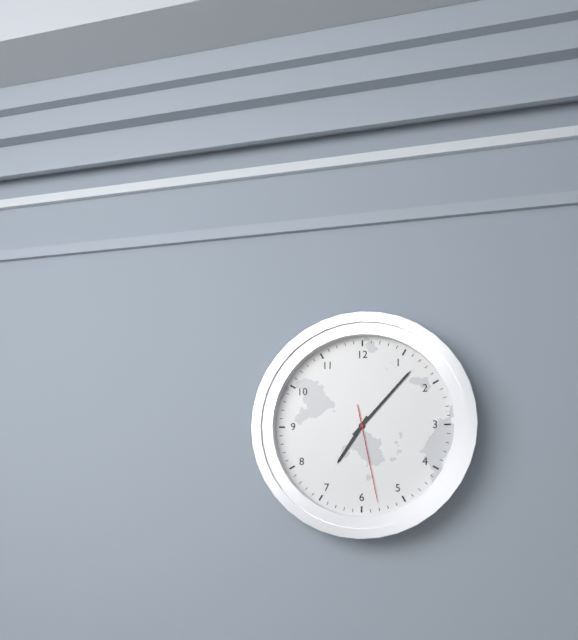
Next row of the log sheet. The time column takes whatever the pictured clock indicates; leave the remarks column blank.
7:07:28
